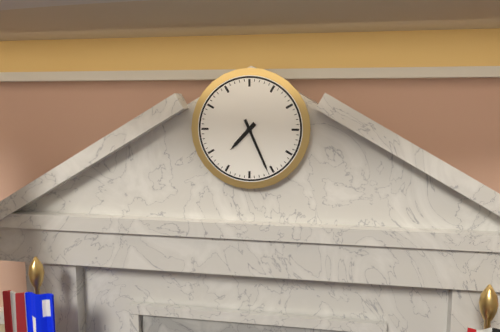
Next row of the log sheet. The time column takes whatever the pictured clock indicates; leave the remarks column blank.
7:26
